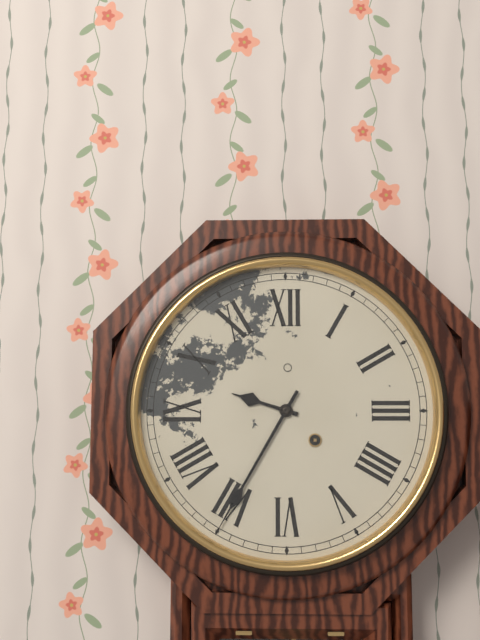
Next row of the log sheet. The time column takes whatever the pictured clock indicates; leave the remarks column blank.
9:35
